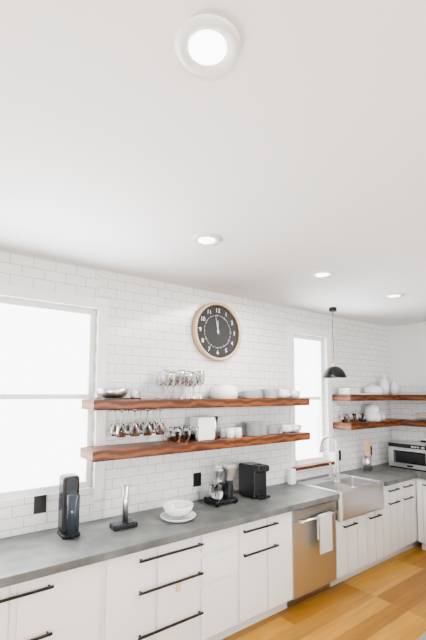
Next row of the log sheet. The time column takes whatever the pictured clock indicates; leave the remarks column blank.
11:58
